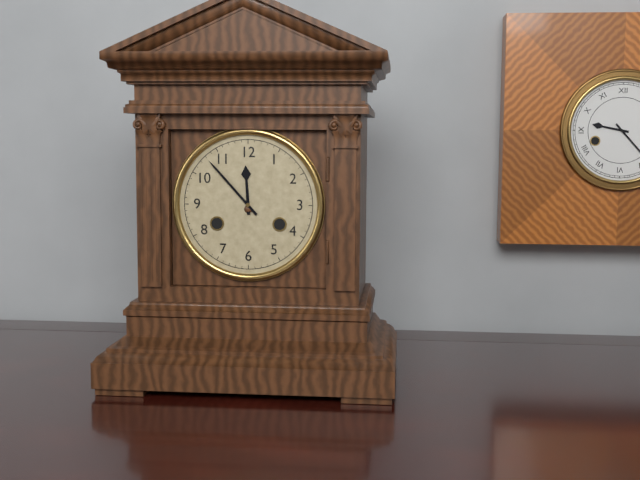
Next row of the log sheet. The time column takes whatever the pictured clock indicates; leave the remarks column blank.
11:53
